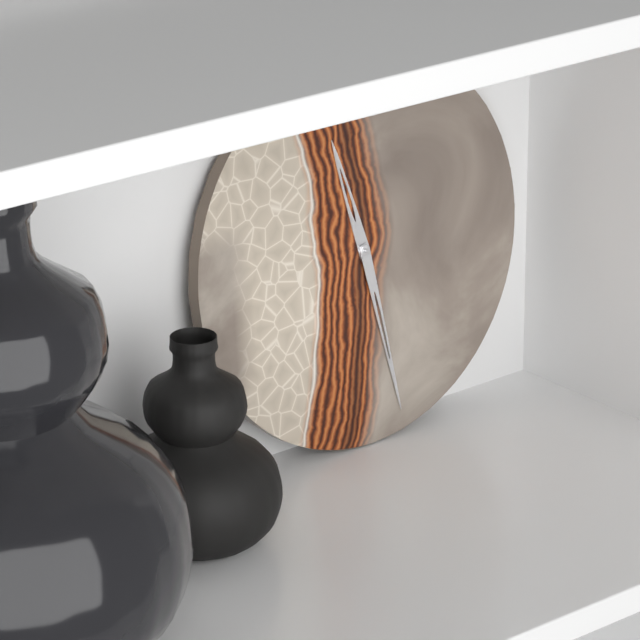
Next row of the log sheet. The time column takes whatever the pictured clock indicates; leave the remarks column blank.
11:28
